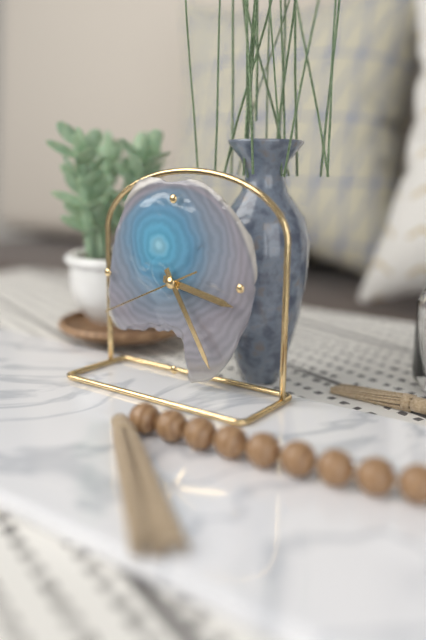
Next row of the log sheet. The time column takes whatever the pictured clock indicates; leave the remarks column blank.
3:25:41
